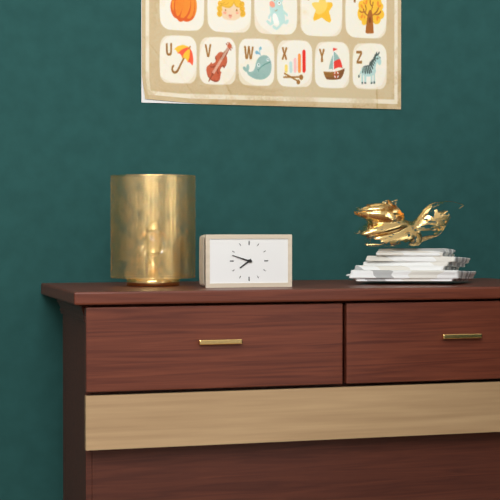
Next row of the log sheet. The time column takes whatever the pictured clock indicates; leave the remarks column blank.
7:48
